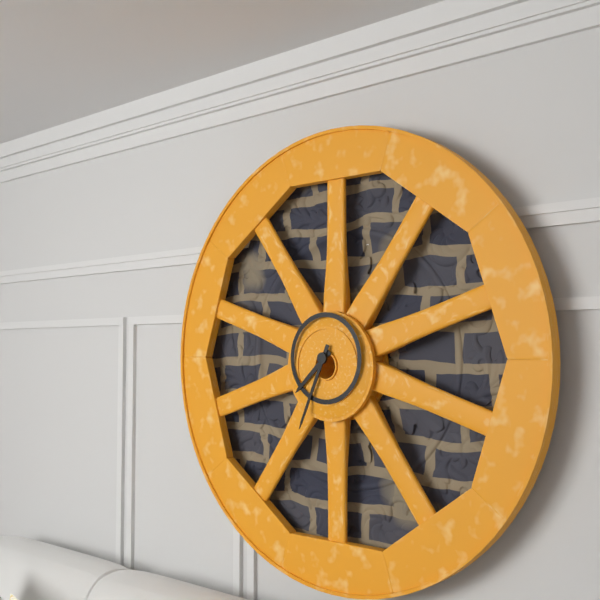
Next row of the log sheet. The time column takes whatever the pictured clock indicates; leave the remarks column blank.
7:34
